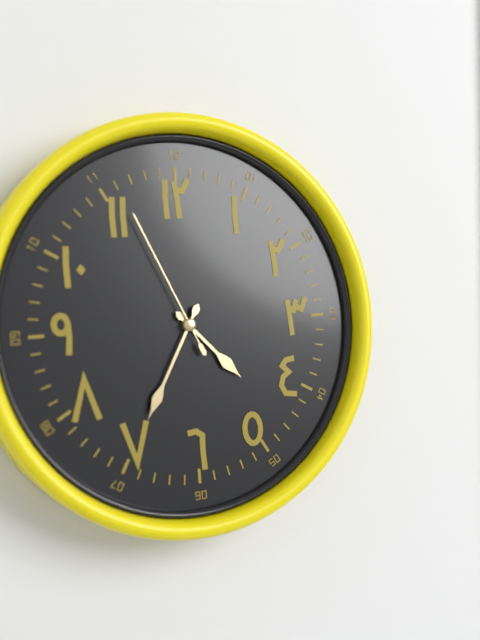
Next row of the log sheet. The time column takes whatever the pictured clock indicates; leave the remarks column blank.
4:35:56
